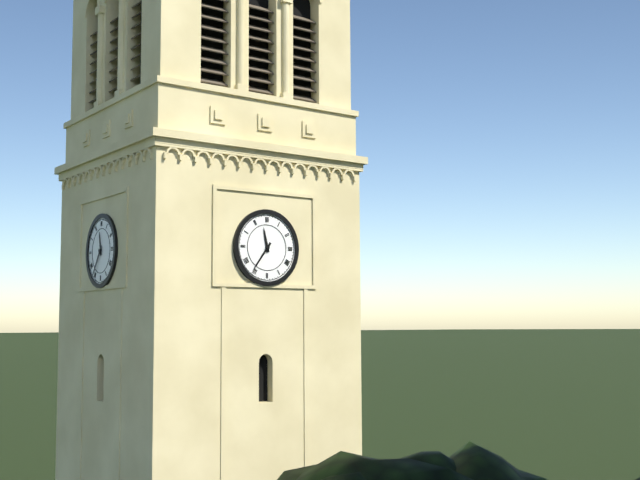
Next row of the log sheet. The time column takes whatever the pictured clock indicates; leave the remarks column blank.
11:36
